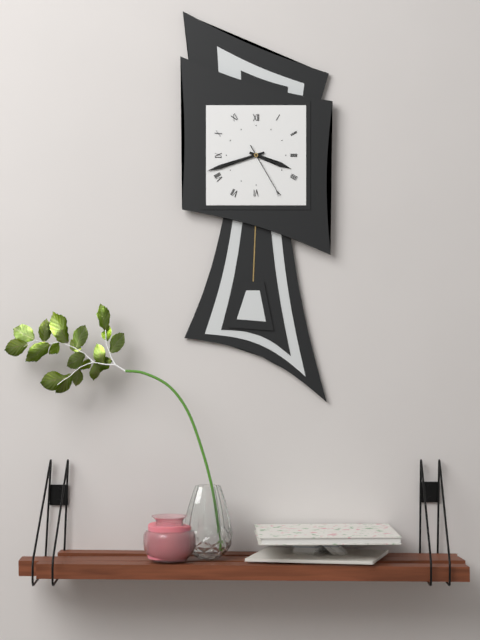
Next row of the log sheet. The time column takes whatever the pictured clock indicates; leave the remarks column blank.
3:42:25
